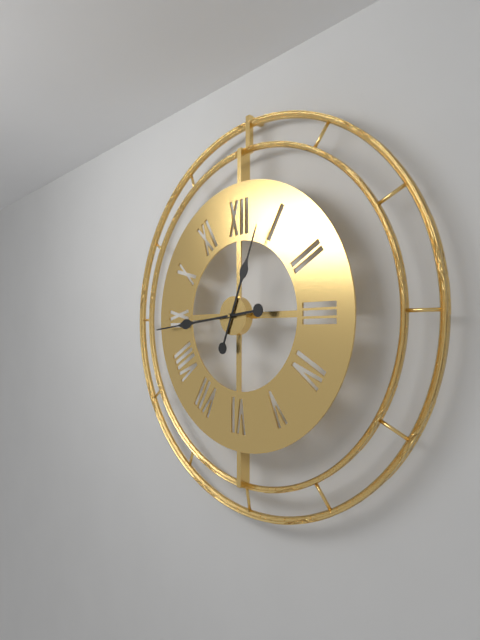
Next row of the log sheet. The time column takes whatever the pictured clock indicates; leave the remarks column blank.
12:44
